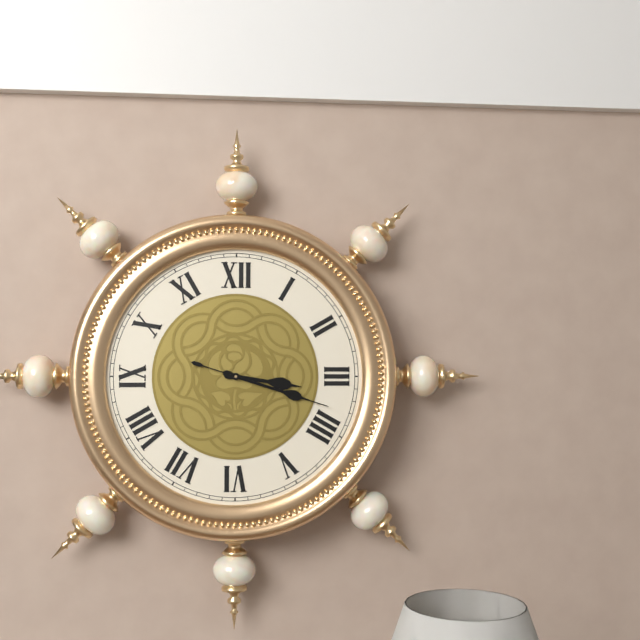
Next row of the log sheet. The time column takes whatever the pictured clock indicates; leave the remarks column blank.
3:18:18
